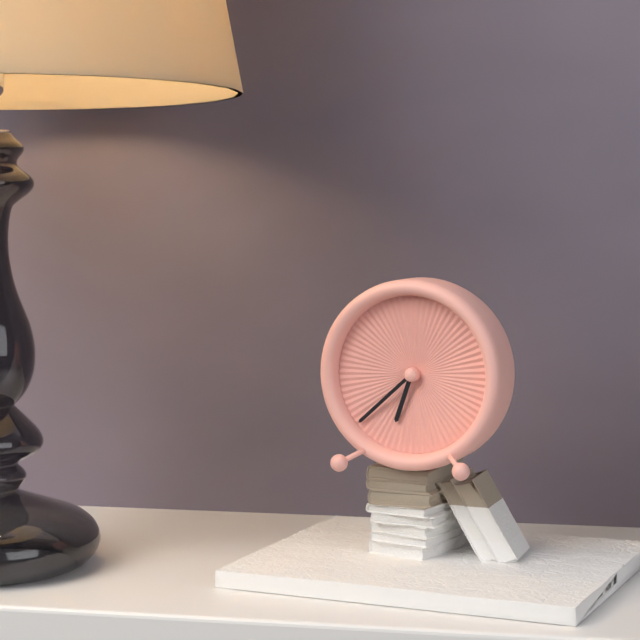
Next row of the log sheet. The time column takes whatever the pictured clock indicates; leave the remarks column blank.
6:38
